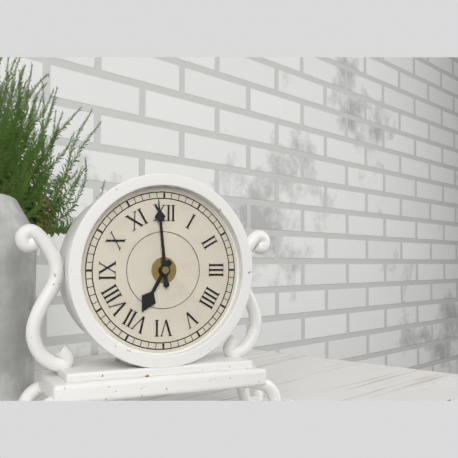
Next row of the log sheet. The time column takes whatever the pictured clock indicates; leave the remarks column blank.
6:59
